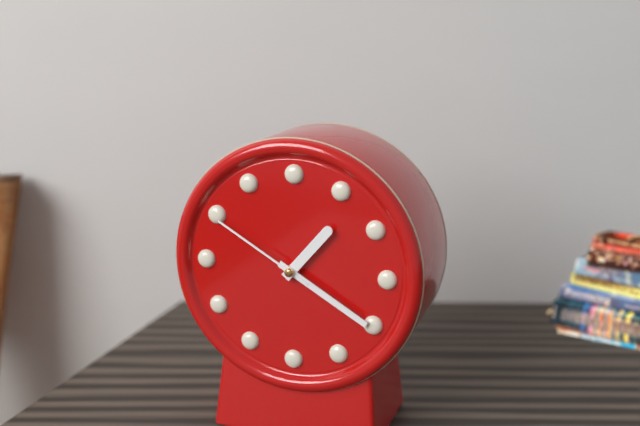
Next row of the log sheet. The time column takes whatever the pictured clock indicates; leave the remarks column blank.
1:20:50
